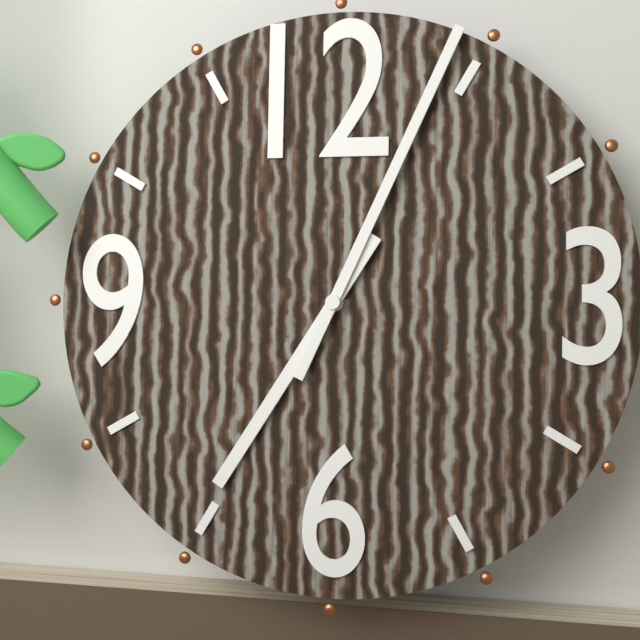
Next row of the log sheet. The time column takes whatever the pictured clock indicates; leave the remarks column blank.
7:04
